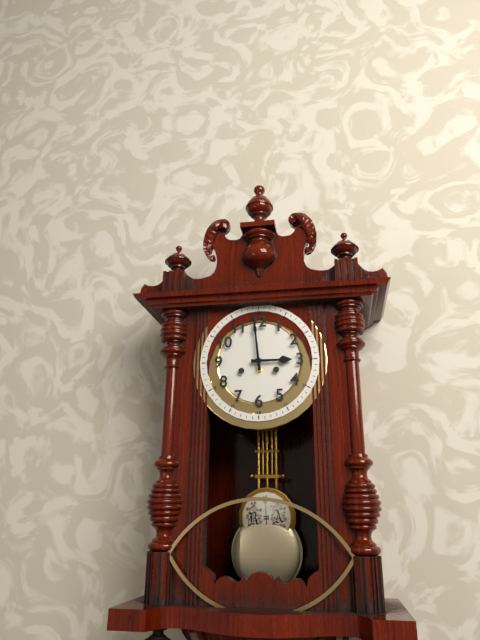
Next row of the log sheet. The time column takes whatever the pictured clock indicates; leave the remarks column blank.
2:59
